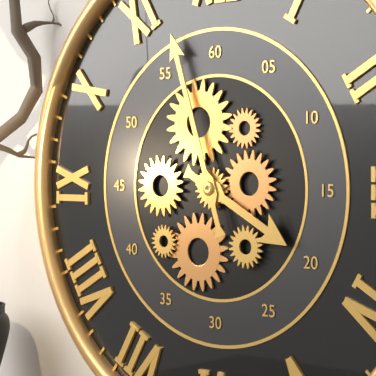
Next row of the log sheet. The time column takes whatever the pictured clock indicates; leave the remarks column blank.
3:57
